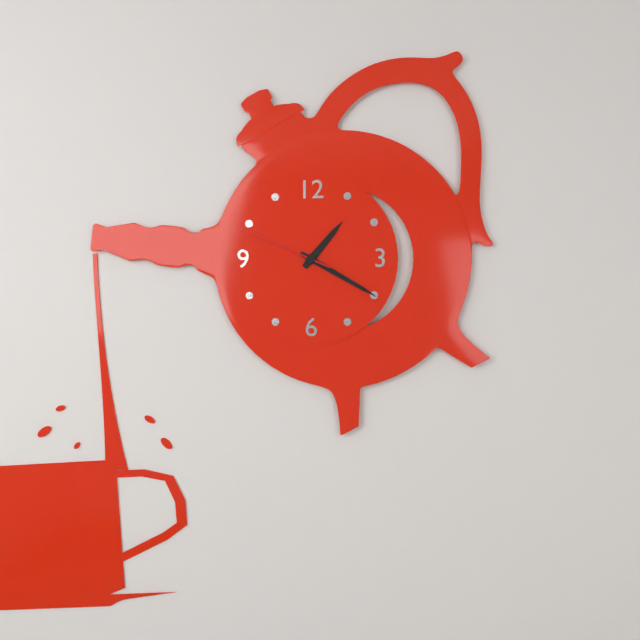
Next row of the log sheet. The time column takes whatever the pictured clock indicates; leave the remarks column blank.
1:20:49
